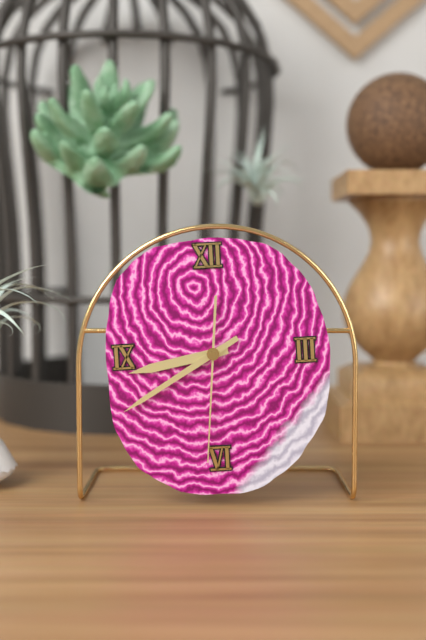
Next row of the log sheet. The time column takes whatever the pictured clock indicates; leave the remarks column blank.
8:40:31
